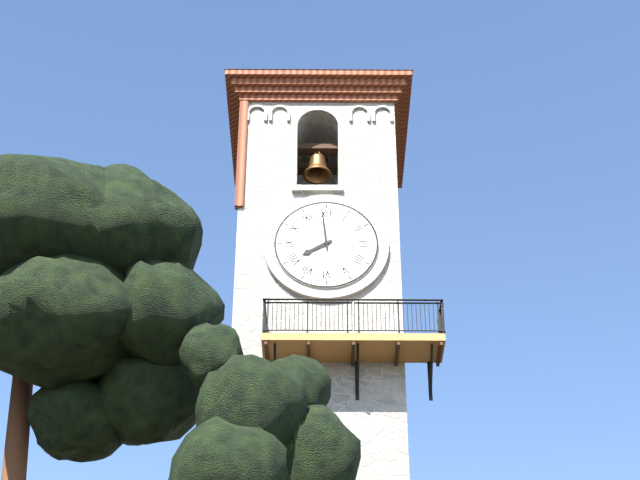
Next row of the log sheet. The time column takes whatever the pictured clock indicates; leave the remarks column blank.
7:59
